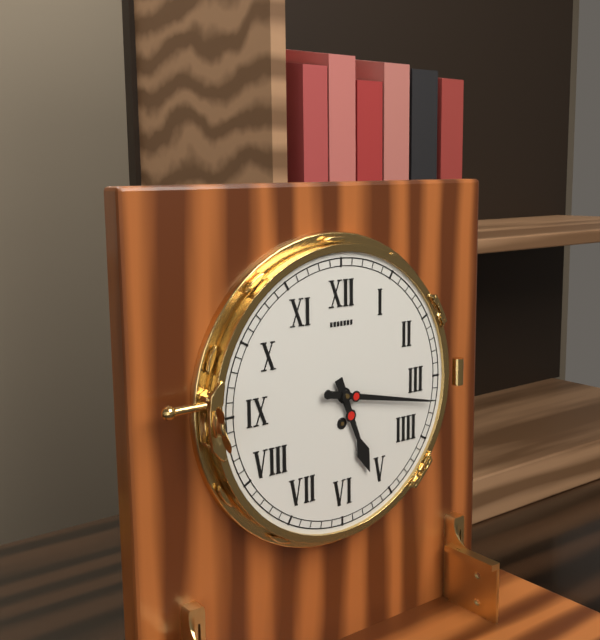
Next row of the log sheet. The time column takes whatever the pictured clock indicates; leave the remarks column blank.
5:17
